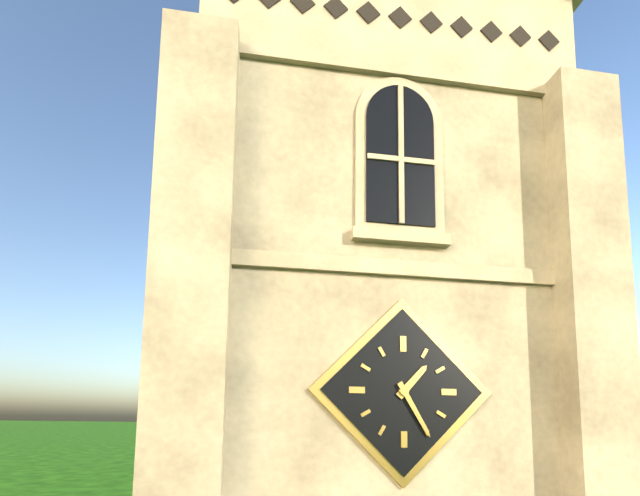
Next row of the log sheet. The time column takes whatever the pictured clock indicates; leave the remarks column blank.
1:25
